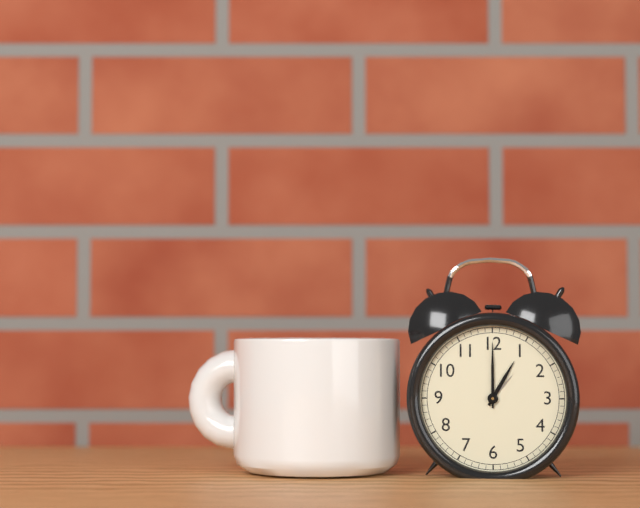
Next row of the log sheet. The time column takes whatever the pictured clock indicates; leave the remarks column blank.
1:00
